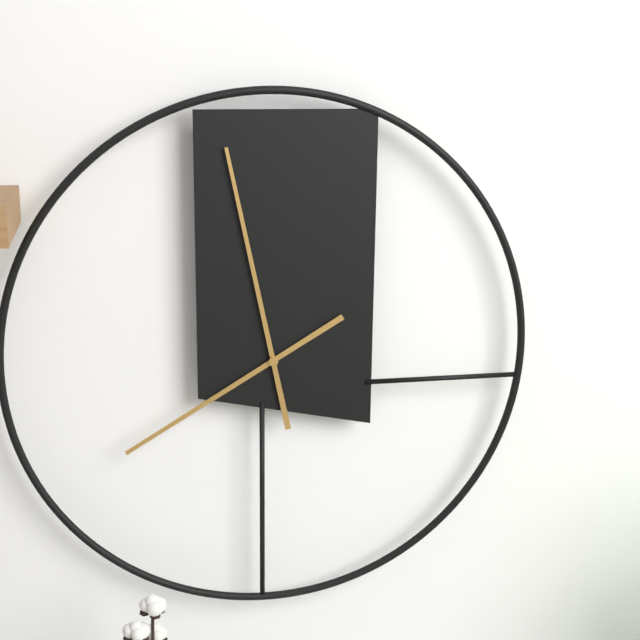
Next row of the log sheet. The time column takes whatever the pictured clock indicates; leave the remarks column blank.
7:58
